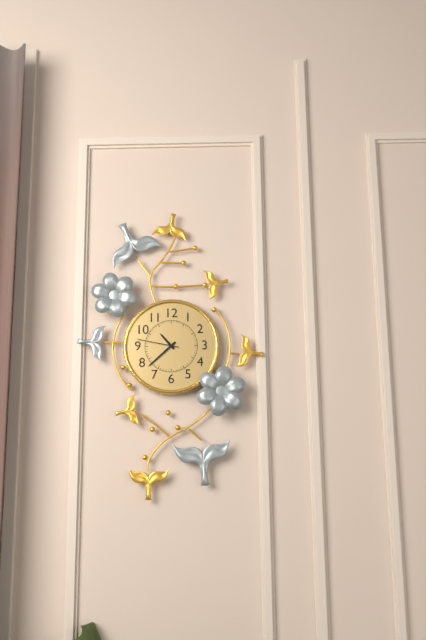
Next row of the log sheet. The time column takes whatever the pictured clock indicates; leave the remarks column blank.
10:38
